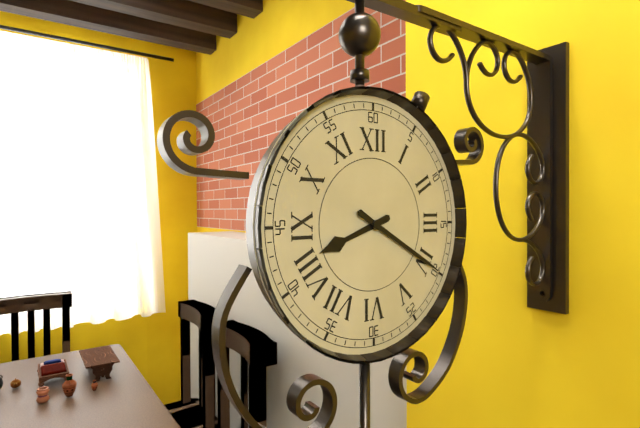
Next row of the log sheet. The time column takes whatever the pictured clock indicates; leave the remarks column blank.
8:20
